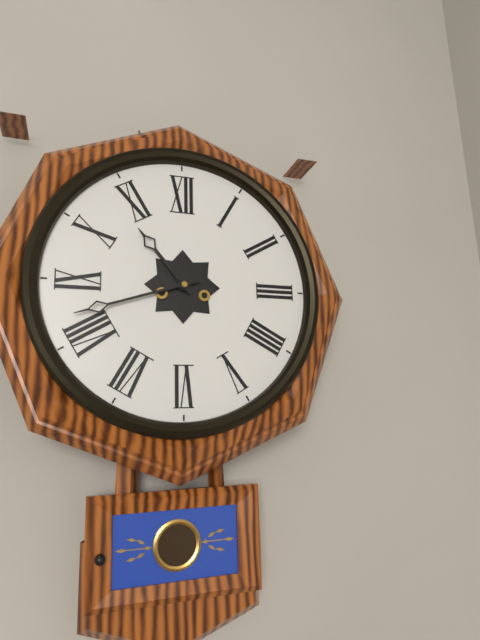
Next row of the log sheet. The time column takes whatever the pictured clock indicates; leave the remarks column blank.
10:42
